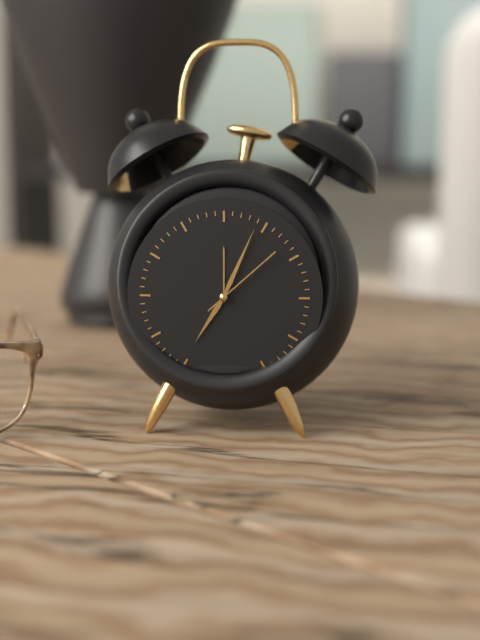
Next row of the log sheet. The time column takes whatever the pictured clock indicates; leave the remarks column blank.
7:04:08
